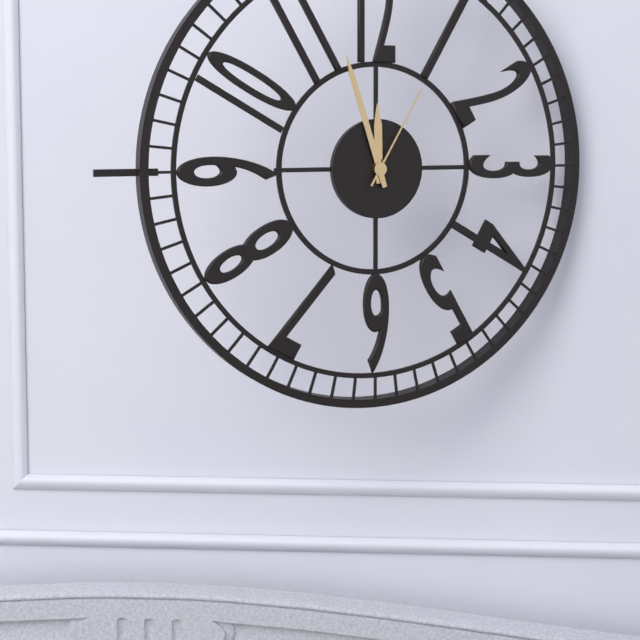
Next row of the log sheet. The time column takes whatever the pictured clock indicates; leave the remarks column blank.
11:57:05
